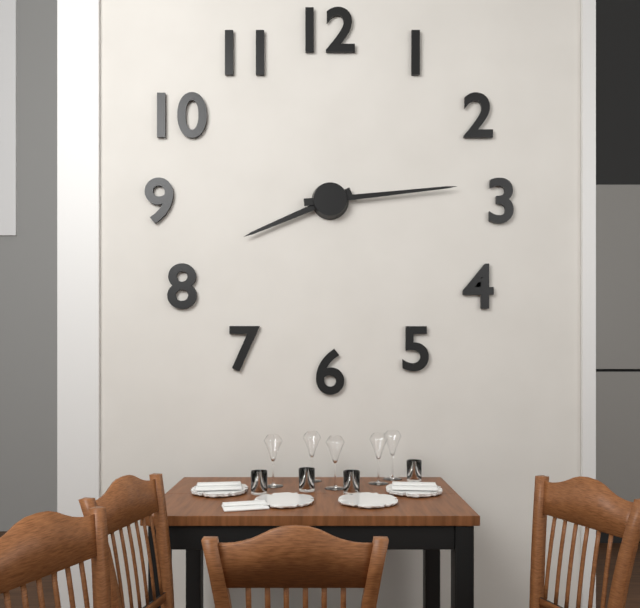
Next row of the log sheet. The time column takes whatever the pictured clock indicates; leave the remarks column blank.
8:14
